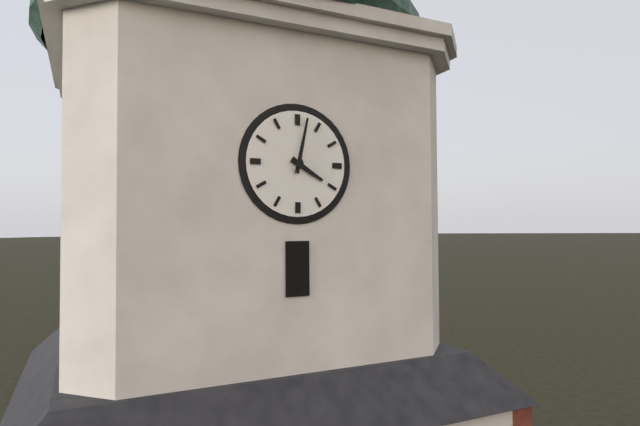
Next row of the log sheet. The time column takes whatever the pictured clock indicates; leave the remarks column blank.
4:02
